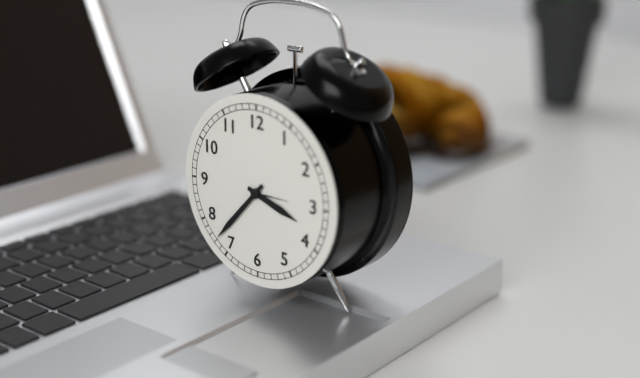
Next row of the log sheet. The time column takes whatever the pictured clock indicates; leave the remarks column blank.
3:37
